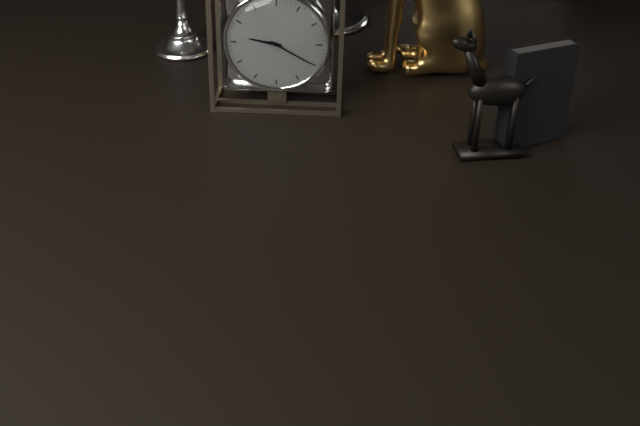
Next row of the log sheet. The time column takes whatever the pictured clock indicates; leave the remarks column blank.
9:20
